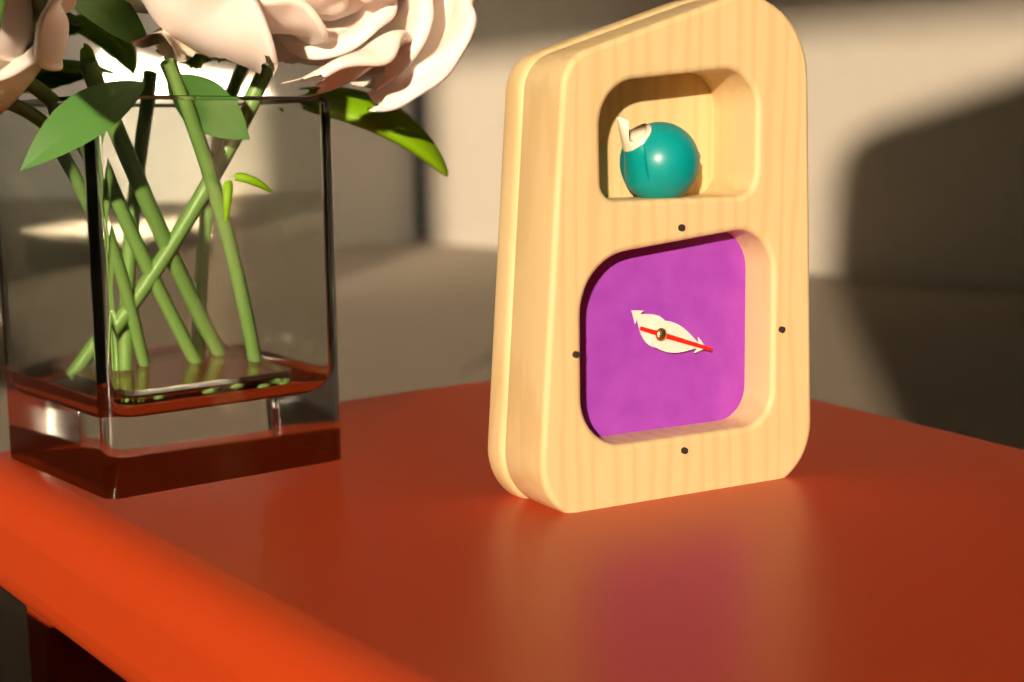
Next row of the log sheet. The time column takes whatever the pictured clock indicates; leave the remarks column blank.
10:18:18
